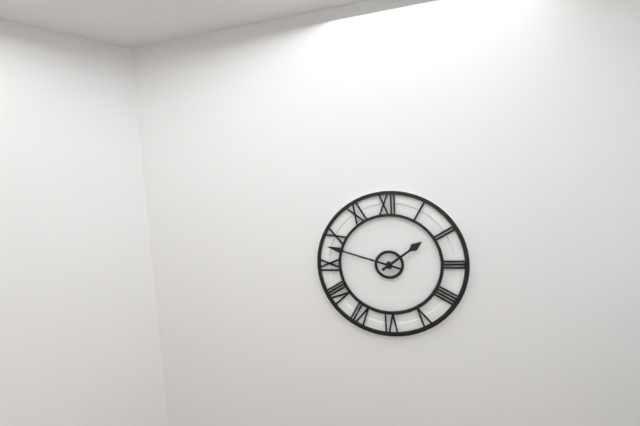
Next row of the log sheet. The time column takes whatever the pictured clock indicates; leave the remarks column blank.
1:48
